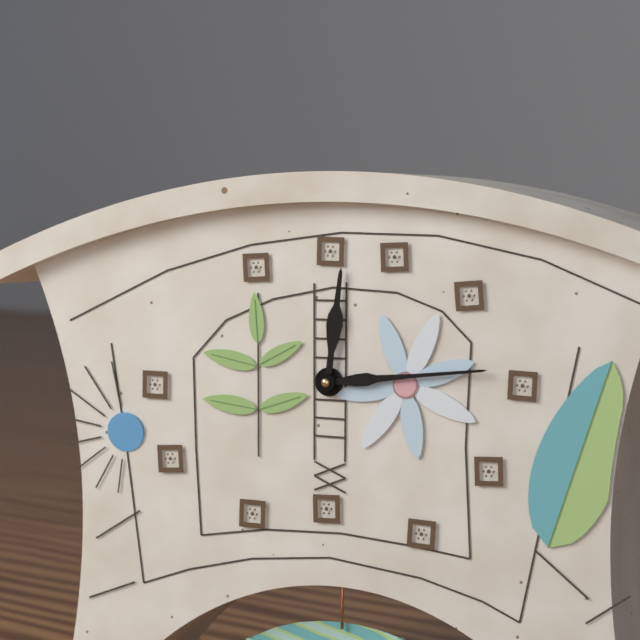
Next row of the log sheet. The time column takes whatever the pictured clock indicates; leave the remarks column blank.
12:14
